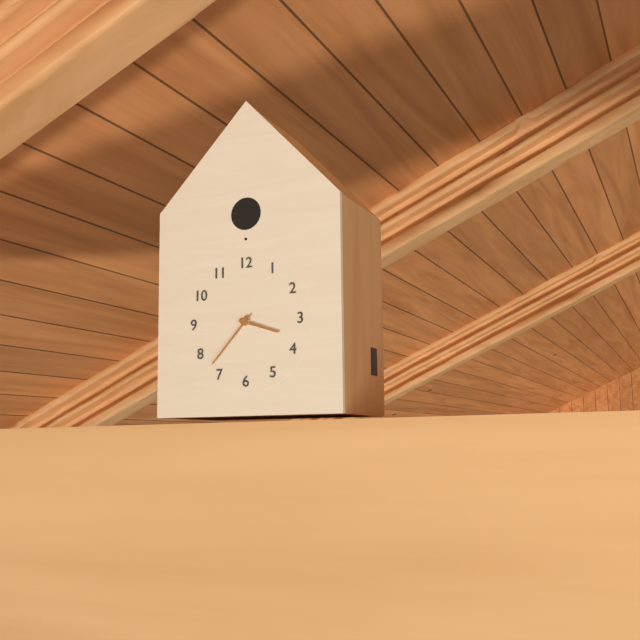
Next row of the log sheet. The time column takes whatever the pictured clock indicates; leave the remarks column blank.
3:37
